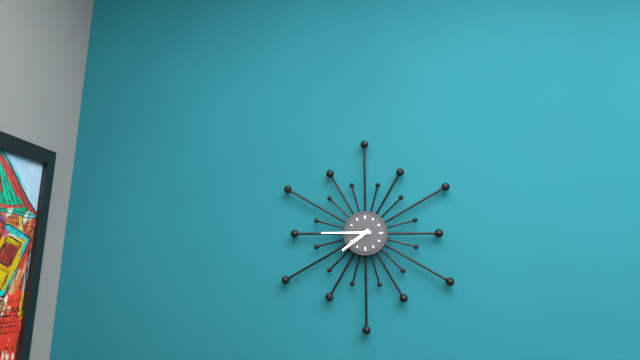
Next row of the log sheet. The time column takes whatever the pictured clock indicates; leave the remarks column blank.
7:45
